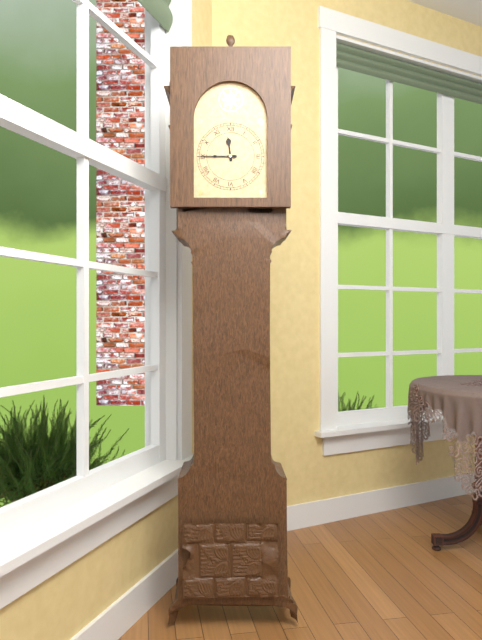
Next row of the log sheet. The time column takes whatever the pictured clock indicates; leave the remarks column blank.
11:45
